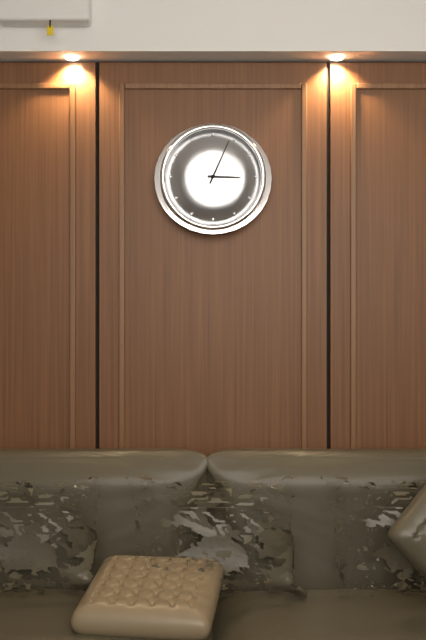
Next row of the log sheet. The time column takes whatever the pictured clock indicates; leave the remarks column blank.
3:04
